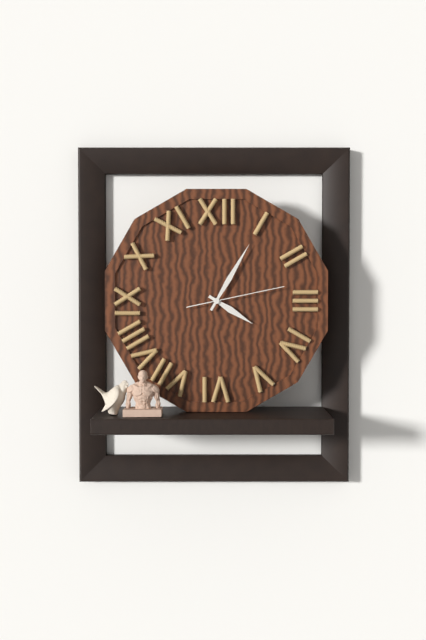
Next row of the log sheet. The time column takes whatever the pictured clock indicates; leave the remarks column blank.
4:05:13
